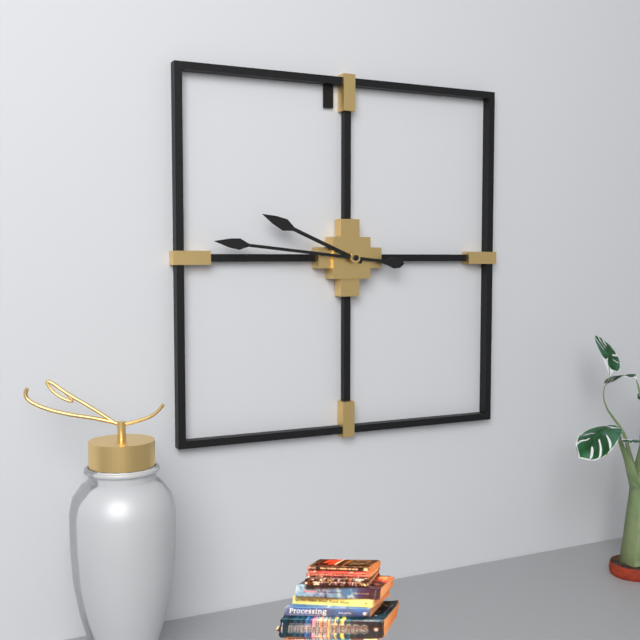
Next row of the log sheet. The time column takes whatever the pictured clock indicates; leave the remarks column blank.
9:46
